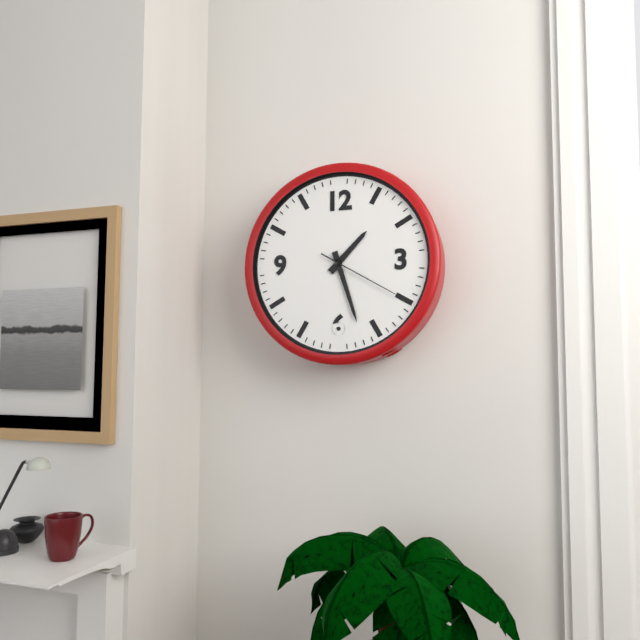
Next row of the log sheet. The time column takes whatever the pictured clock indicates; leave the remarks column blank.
1:27:20
